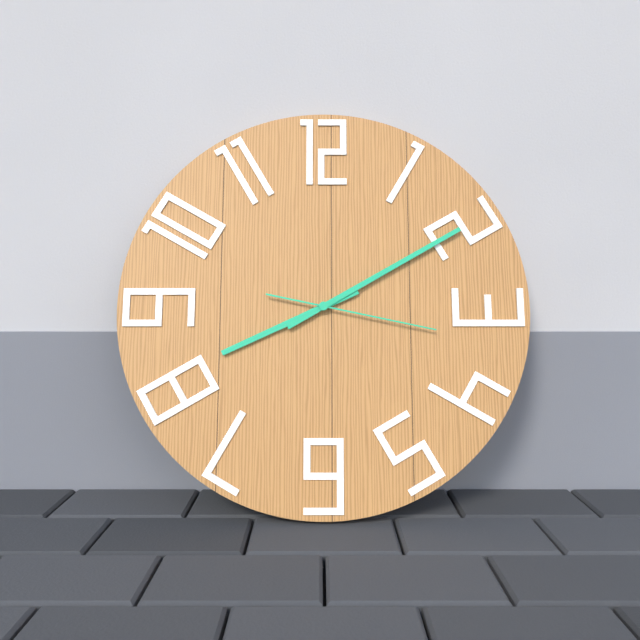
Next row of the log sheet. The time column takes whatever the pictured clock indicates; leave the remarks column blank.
8:10:17
